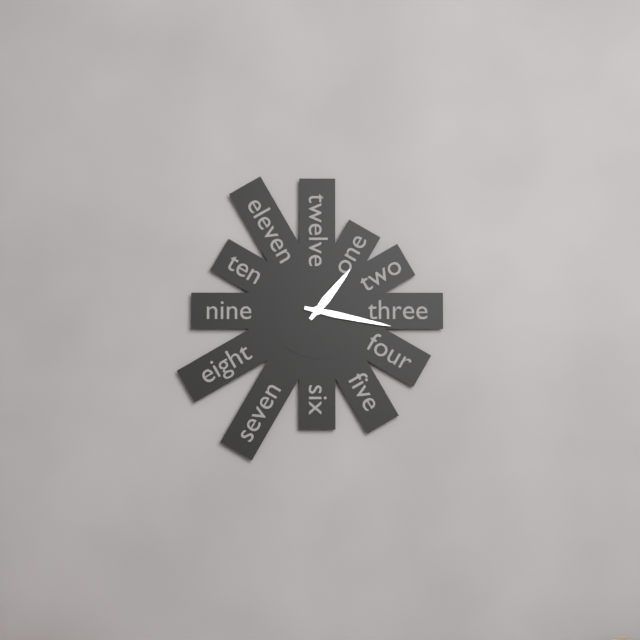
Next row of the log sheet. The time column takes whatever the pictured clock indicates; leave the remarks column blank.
1:17
